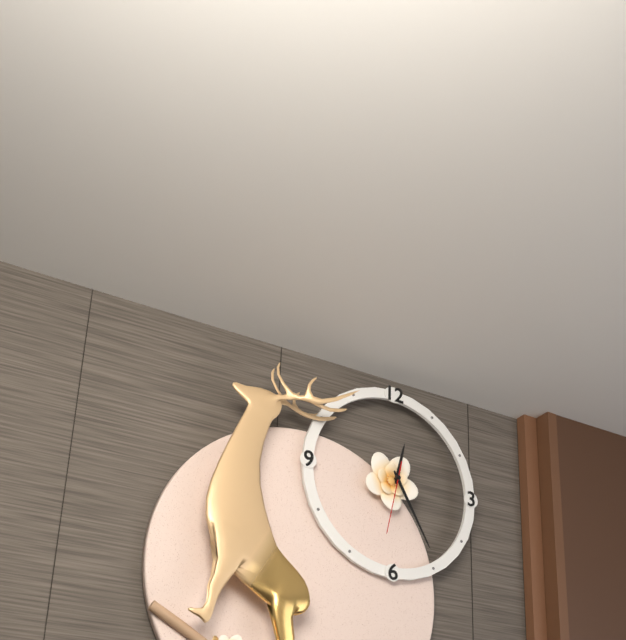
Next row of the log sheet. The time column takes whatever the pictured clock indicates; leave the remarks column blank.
12:25:32
